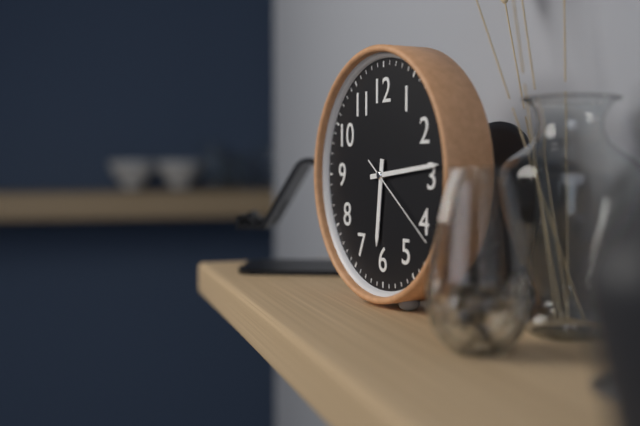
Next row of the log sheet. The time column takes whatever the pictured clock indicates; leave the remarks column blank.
6:14:21
